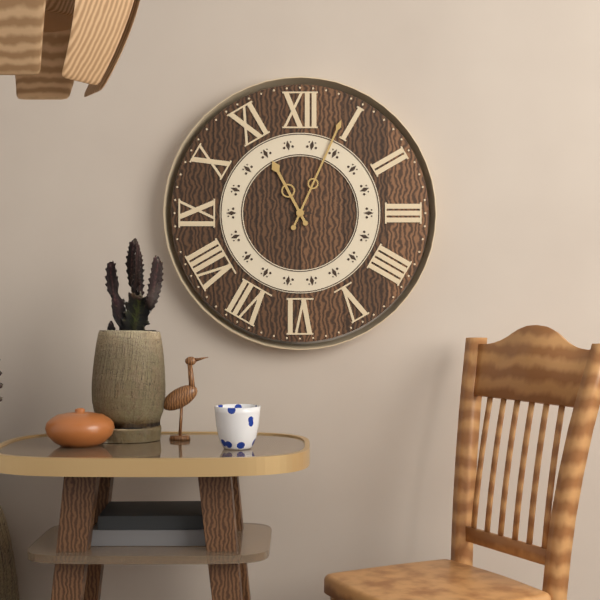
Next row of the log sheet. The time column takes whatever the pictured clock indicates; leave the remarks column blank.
11:04
